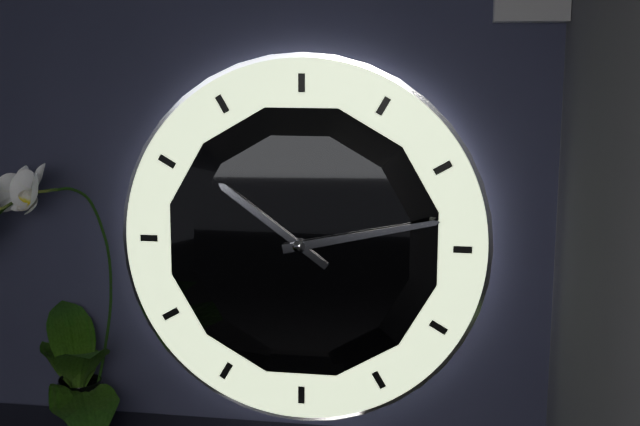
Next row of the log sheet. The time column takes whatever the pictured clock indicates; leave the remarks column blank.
10:13
